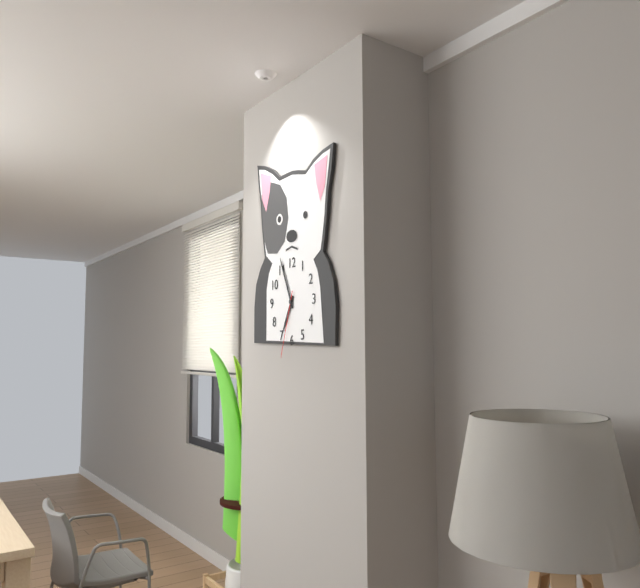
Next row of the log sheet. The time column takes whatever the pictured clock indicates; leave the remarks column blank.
6:56:33
